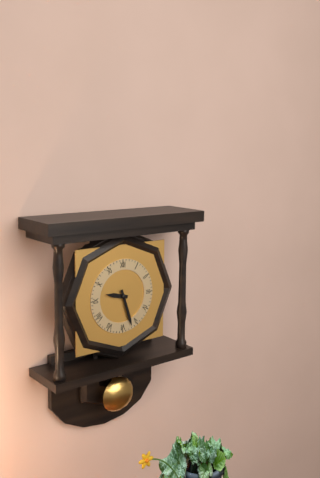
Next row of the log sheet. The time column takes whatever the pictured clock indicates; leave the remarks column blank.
9:27
